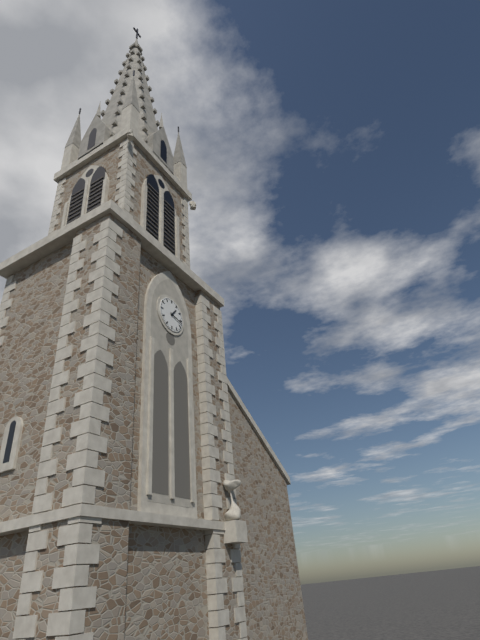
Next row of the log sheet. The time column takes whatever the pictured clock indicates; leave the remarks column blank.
1:17
